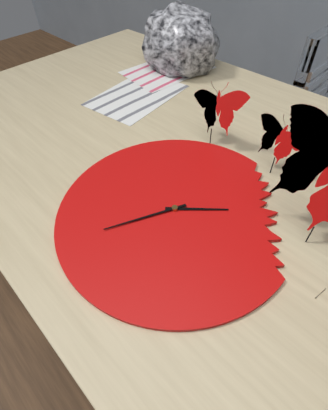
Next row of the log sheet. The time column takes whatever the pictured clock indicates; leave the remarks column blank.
1:34
